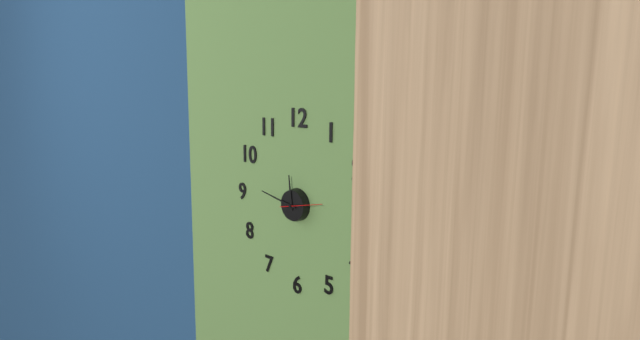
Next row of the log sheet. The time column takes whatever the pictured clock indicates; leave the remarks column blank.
11:47
